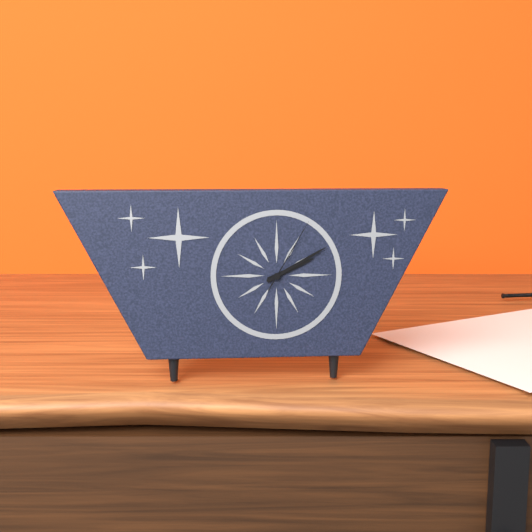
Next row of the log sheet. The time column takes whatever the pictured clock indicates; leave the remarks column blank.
2:10:05
